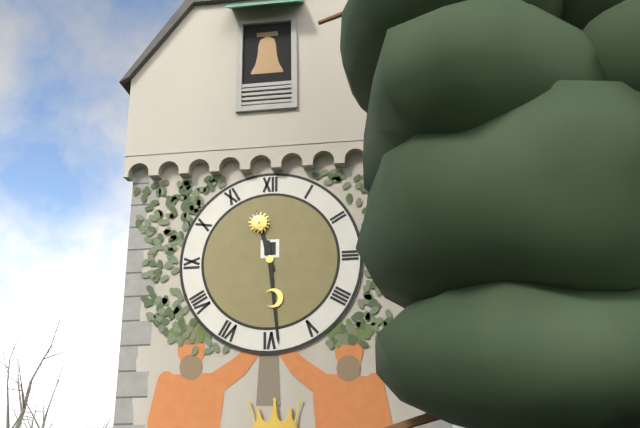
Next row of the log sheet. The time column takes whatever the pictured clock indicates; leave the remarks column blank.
11:29
